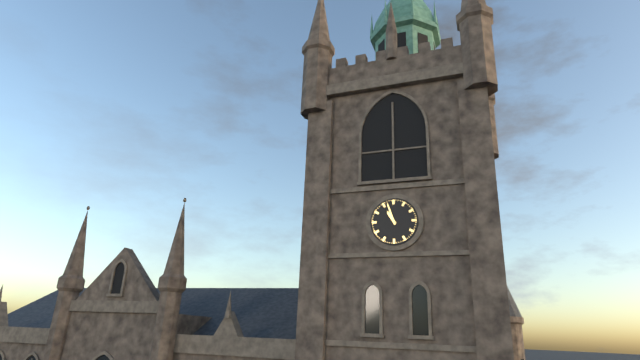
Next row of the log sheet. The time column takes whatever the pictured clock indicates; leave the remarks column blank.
10:57
